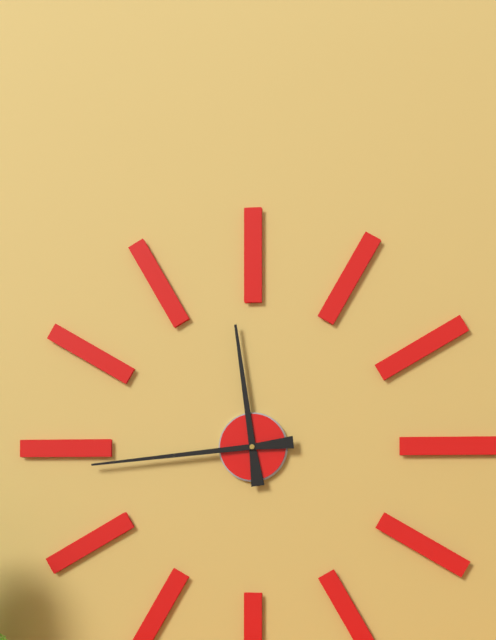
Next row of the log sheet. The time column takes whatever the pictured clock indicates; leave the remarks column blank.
11:44
